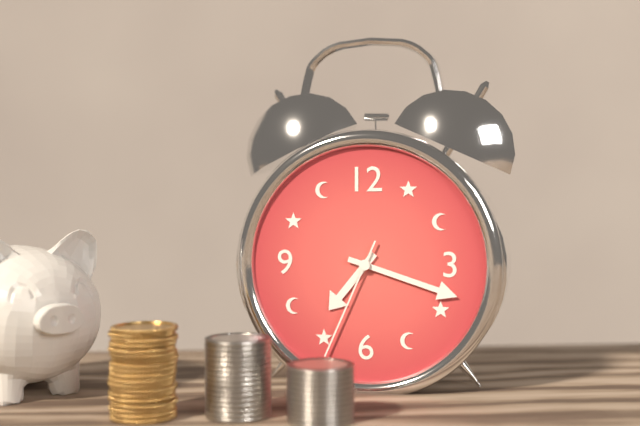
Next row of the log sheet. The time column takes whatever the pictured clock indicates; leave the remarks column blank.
7:18:34
